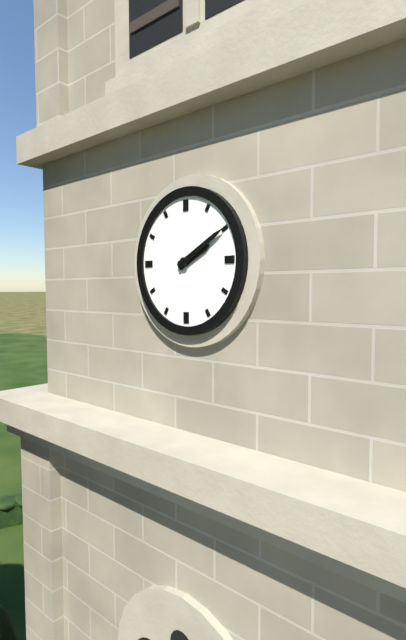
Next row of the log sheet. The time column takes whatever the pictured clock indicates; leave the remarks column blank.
2:10
